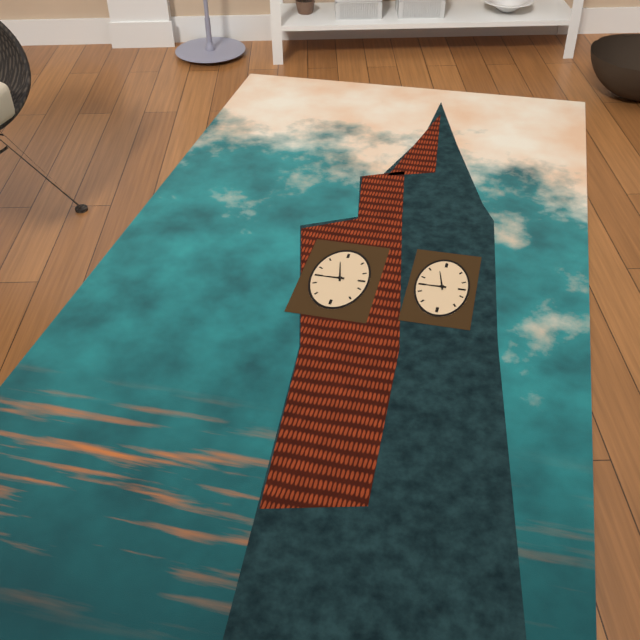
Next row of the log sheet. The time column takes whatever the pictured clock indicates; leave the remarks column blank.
8:58
